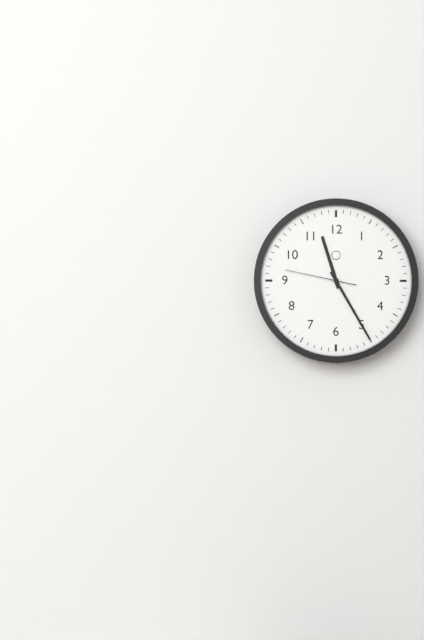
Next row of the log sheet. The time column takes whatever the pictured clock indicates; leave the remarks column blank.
11:25:47
